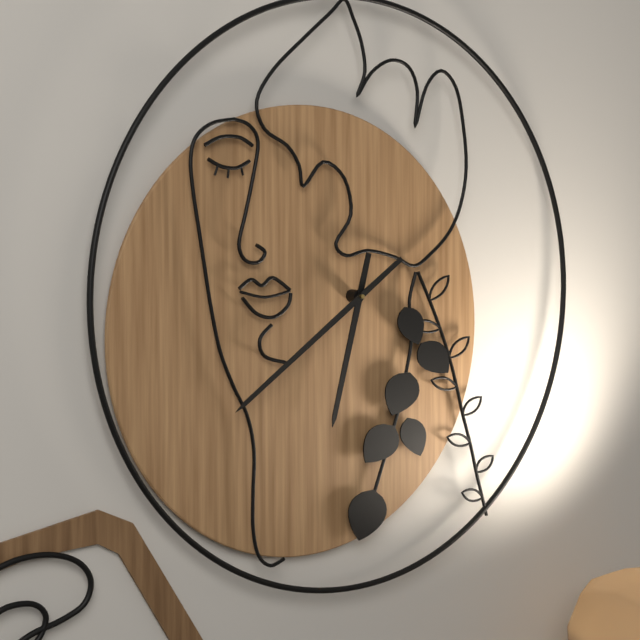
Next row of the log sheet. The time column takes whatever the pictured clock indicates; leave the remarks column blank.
6:40
